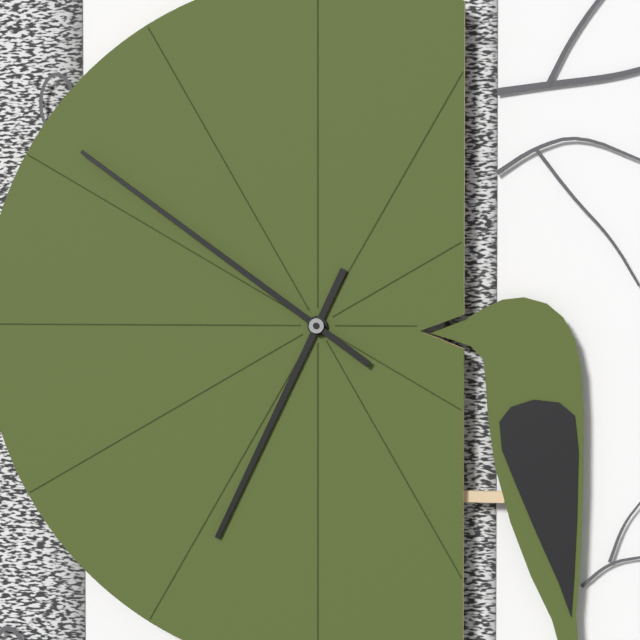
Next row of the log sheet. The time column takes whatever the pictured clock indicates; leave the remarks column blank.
6:51
